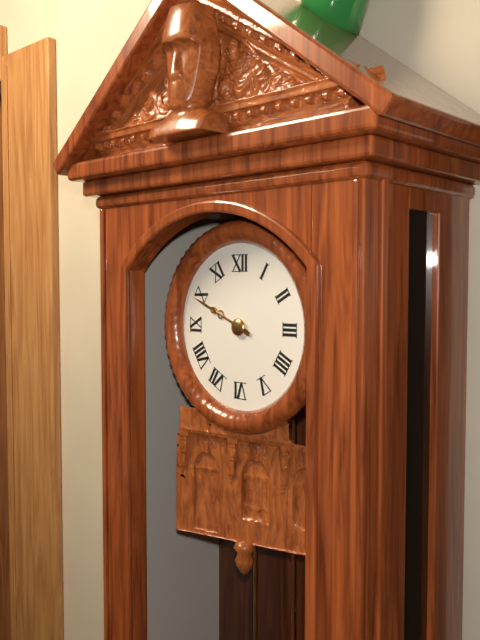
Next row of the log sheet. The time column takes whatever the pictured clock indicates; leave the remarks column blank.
9:49
